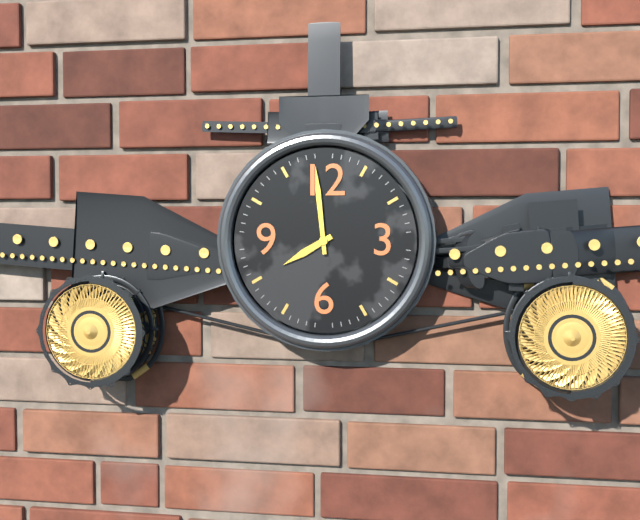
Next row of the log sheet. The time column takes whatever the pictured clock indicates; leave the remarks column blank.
7:59
